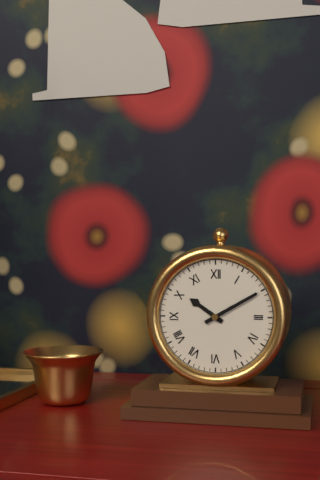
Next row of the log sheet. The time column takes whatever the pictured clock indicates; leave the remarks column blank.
10:10
